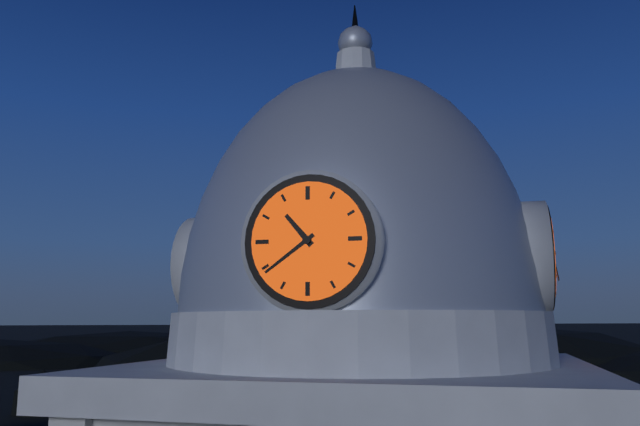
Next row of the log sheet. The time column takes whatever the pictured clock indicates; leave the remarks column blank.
10:39
